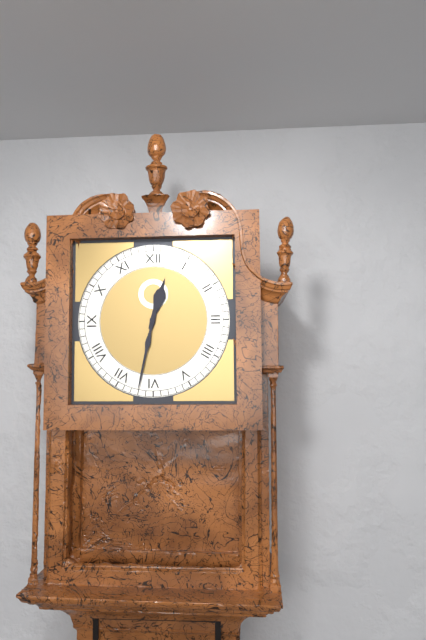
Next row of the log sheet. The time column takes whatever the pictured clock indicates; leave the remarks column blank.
12:32
